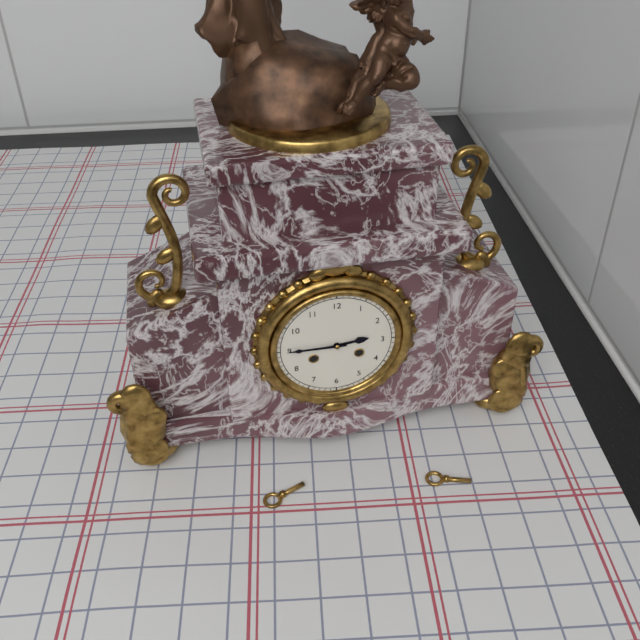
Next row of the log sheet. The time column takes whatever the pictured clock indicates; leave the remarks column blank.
2:45
